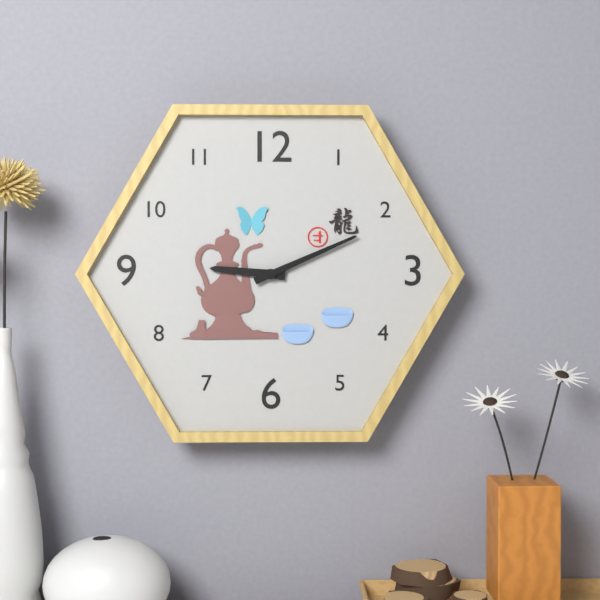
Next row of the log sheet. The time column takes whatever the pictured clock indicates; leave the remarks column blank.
9:11
